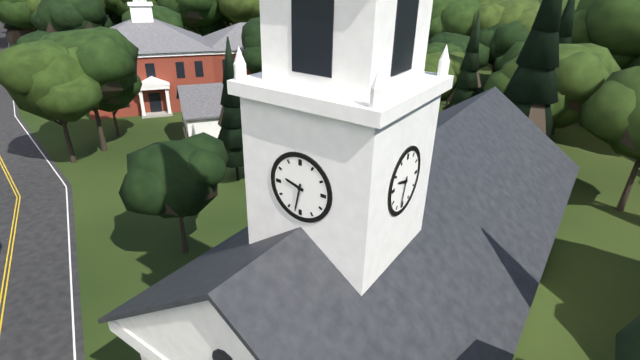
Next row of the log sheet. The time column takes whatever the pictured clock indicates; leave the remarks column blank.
9:32
